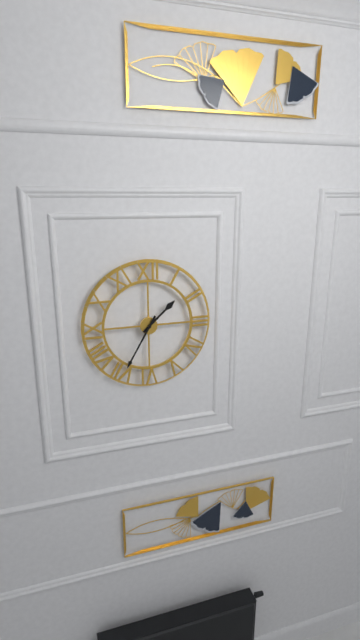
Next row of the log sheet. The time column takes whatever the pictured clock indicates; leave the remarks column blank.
1:35
